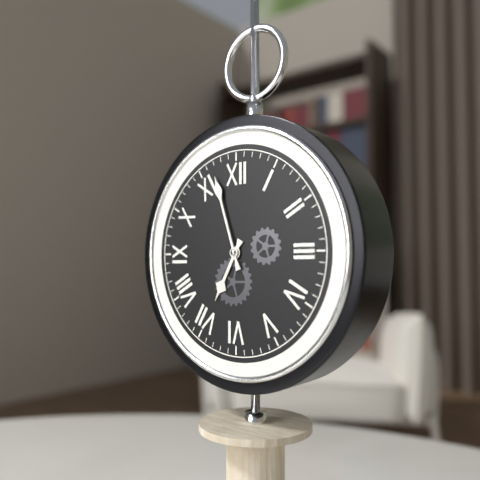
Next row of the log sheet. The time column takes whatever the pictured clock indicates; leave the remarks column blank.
6:57
